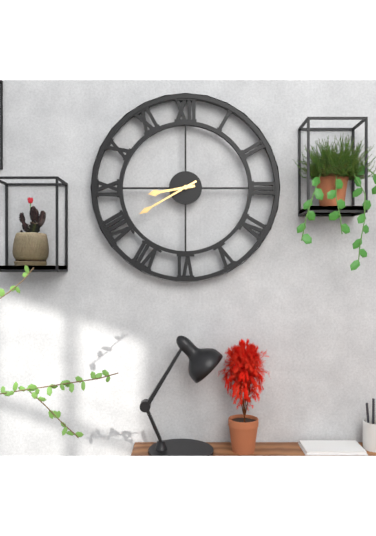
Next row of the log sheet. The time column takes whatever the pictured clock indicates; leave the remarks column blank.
8:40
